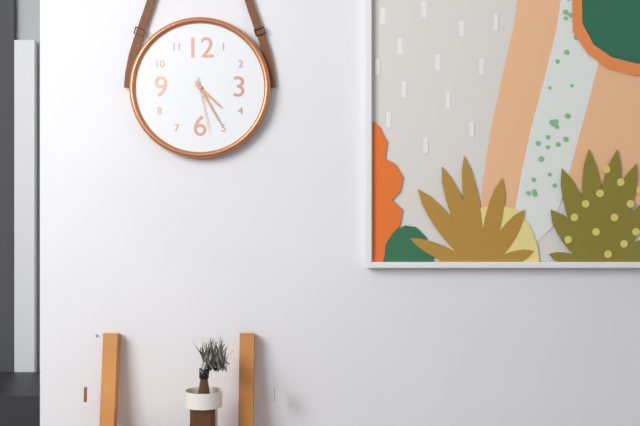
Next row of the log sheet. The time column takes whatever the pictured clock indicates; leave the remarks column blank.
4:25:28
